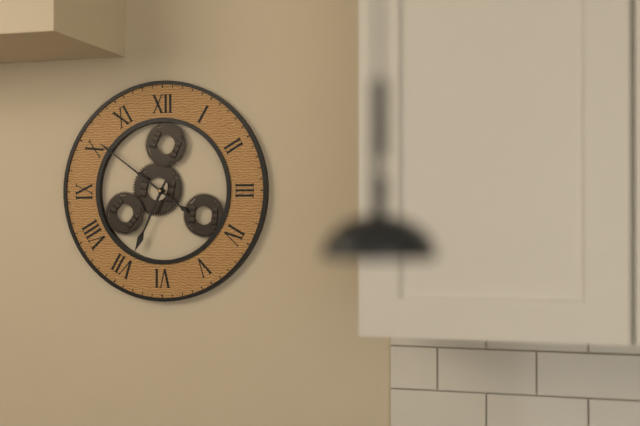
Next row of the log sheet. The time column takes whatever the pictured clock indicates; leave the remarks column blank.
6:51
